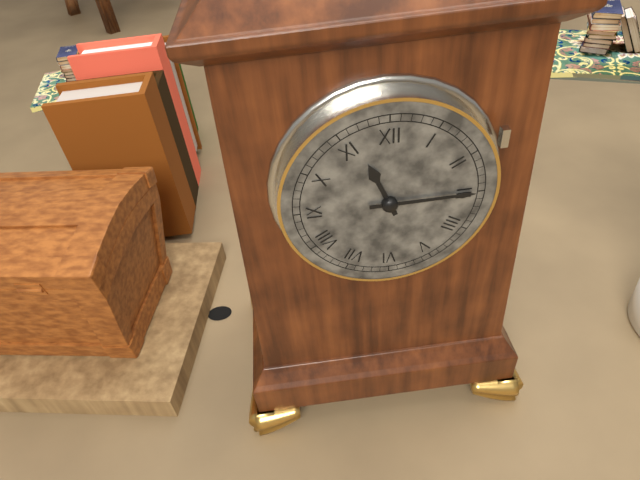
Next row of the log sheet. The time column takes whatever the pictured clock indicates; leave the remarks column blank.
11:15
